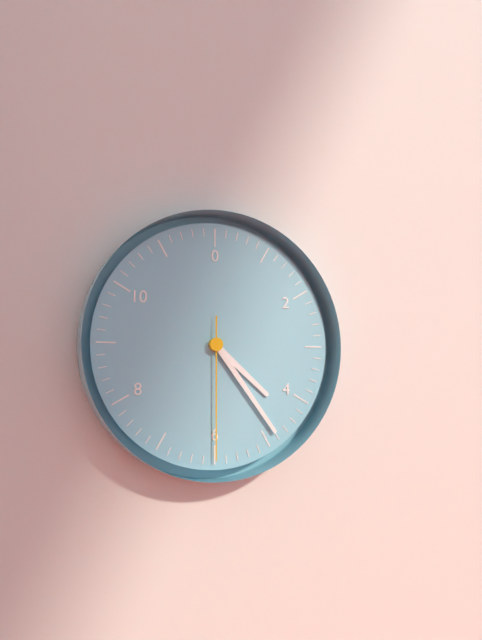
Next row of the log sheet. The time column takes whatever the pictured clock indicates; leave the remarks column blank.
4:24:30
